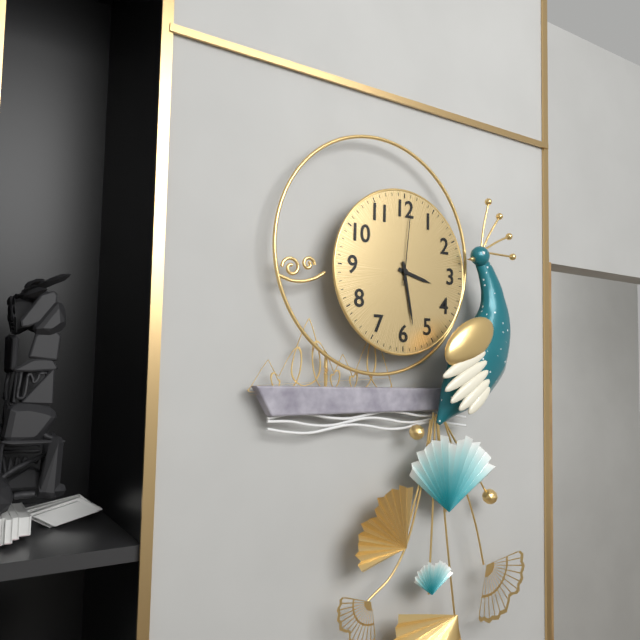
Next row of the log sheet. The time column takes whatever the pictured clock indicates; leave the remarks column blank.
3:28:01
